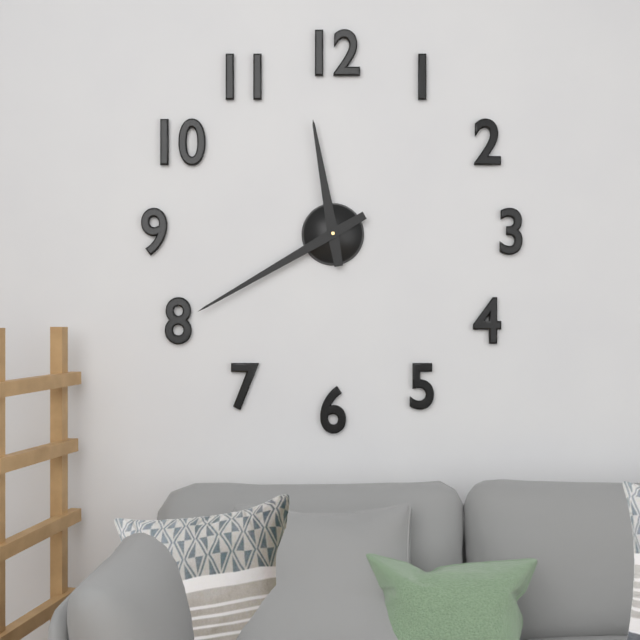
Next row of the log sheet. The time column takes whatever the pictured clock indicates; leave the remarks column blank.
11:40
